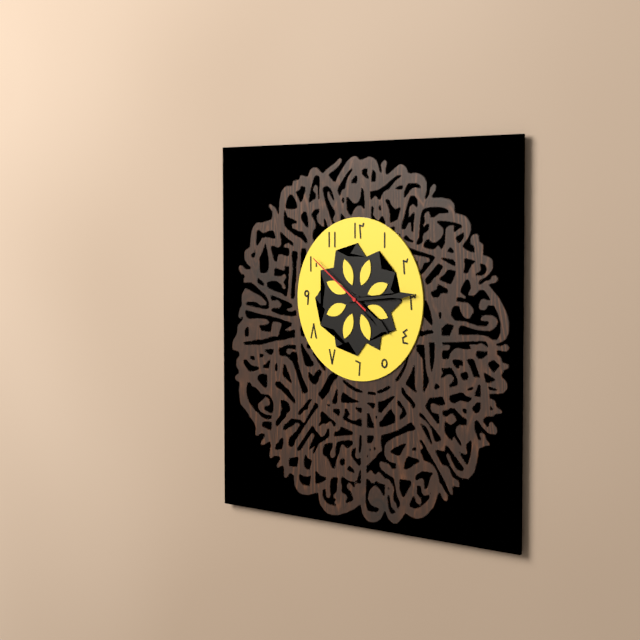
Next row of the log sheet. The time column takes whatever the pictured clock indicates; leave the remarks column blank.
4:14:51
